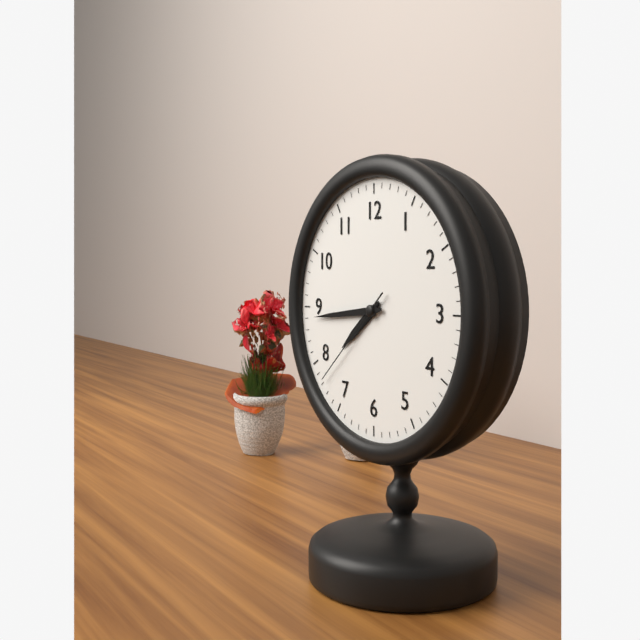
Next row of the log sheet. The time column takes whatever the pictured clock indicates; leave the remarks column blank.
7:44:38
